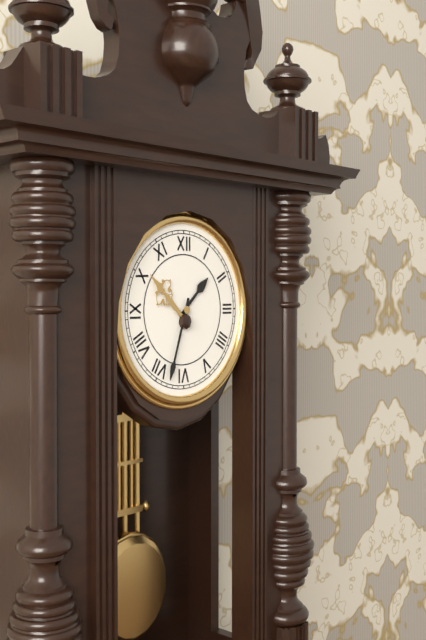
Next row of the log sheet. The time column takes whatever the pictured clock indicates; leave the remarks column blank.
1:33
